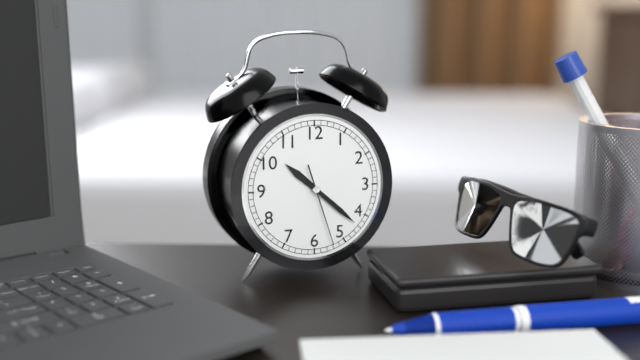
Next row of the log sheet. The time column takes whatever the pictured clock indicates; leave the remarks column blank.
10:22:27
